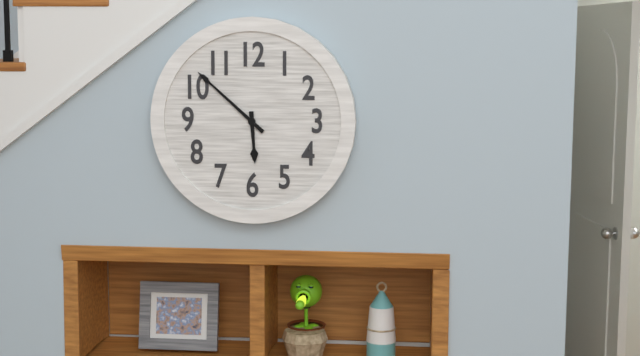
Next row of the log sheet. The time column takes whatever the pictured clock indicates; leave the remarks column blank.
5:52
